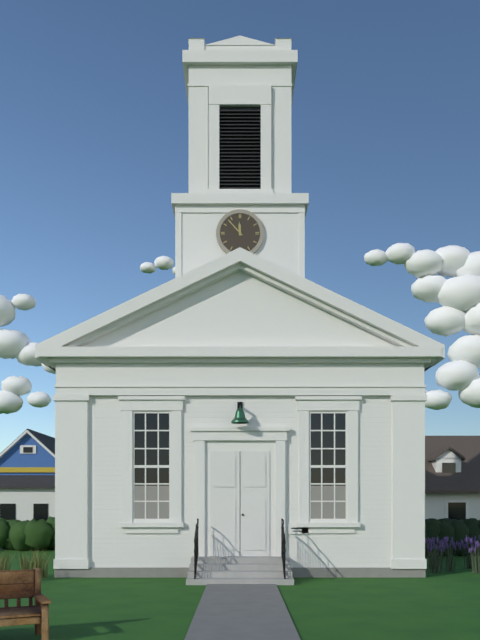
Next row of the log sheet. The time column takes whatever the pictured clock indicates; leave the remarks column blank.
11:53
